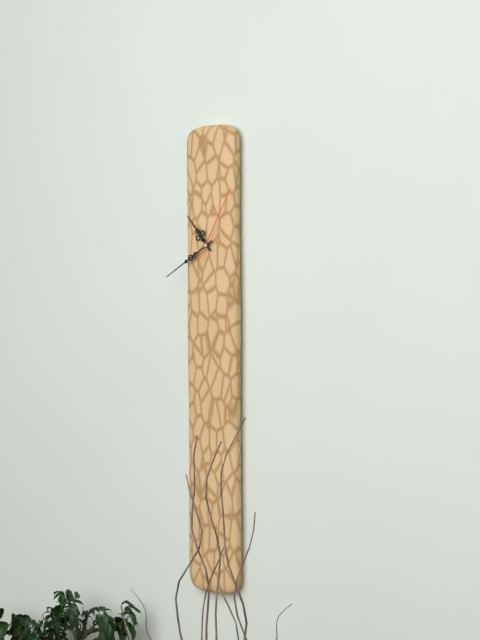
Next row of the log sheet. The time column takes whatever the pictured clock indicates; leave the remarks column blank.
10:40:05
